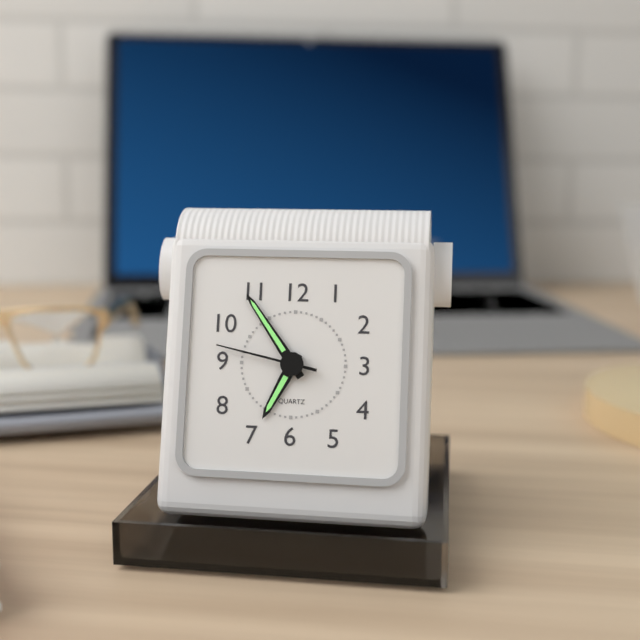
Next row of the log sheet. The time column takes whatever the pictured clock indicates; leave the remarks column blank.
6:54:47
